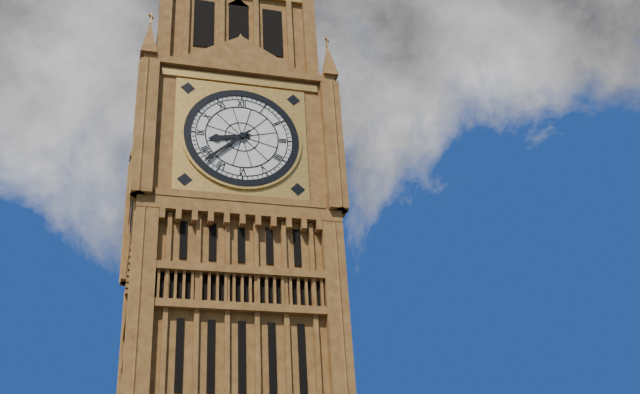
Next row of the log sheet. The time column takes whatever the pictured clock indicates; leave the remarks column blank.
8:38
